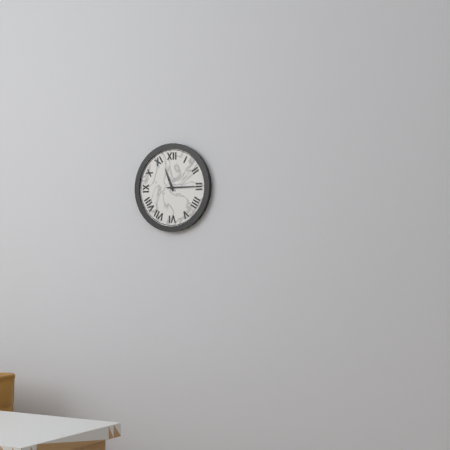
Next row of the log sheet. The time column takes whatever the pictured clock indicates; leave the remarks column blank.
11:15
